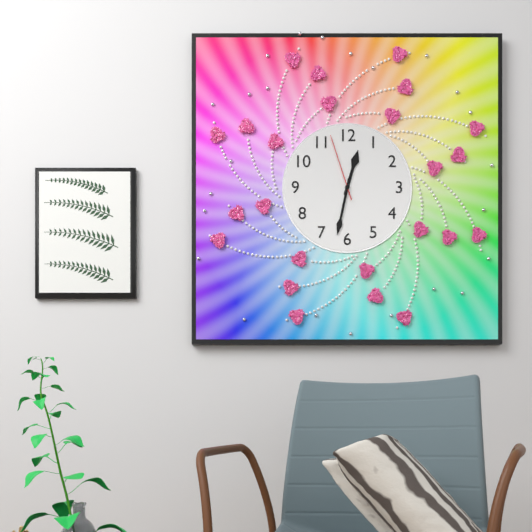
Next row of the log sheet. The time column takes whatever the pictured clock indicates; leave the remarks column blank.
12:32:57
